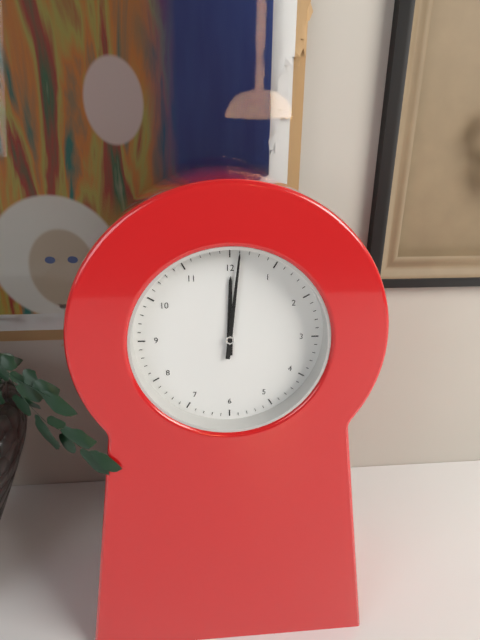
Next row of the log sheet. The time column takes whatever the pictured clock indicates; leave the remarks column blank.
12:01
